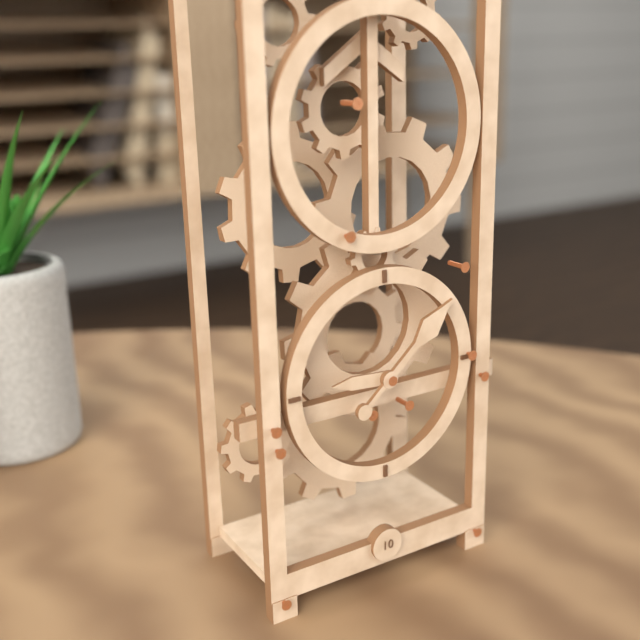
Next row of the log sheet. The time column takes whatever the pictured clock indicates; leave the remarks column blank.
9:08
